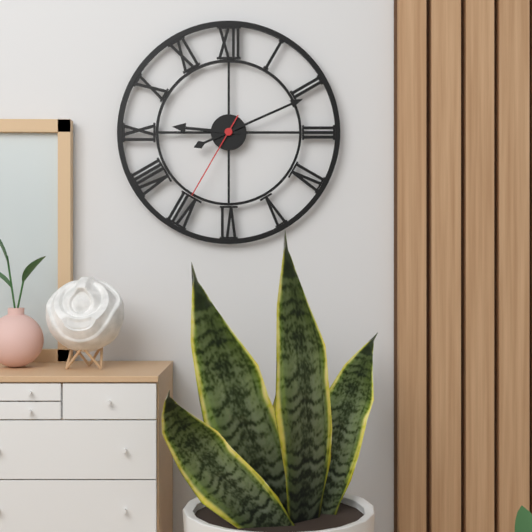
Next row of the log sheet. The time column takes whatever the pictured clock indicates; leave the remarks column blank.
9:11:35
